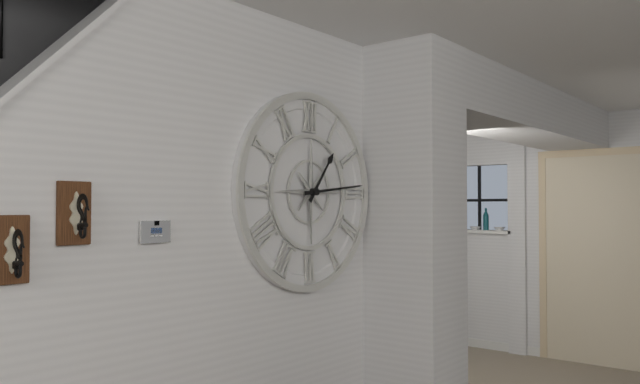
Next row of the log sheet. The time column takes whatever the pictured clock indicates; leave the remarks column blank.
1:14
